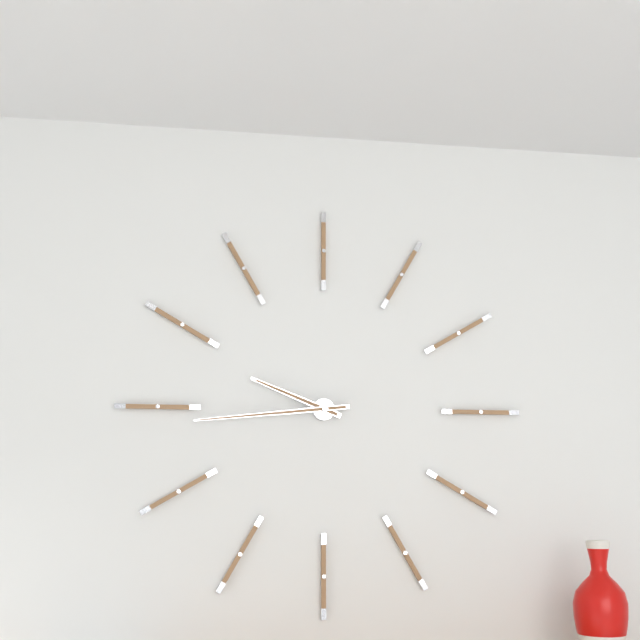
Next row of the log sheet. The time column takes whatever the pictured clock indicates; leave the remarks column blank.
9:44
